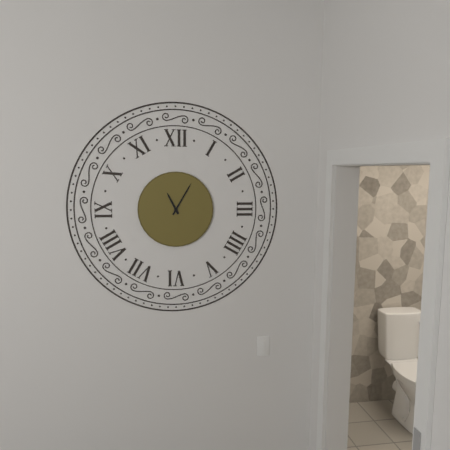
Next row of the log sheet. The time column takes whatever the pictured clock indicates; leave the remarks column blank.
11:05
